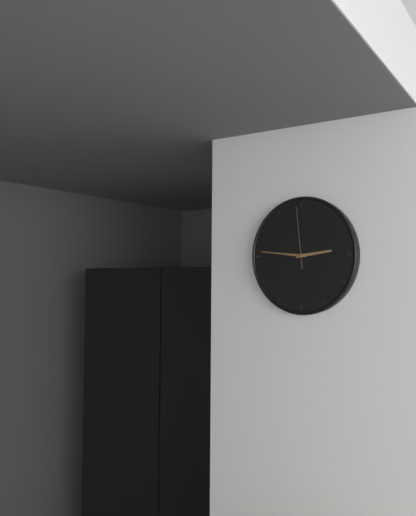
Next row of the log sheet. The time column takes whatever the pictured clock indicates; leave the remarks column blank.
2:46:59
